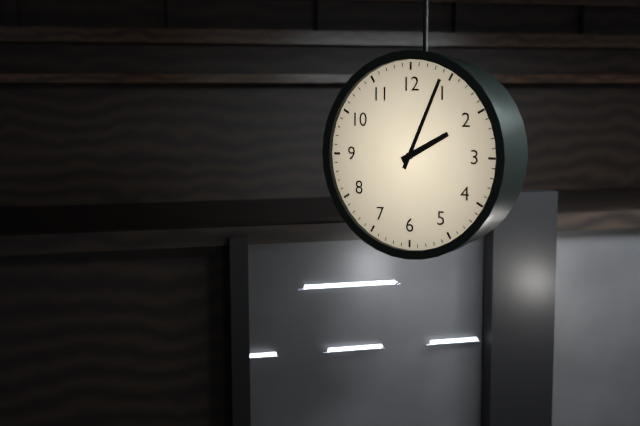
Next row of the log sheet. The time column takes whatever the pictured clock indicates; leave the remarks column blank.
2:04
